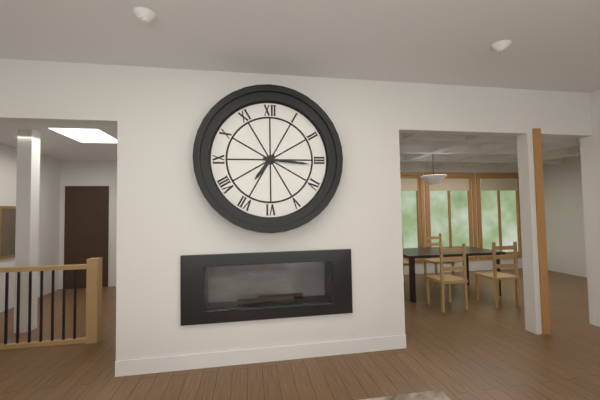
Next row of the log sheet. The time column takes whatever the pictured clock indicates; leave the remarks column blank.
7:16
